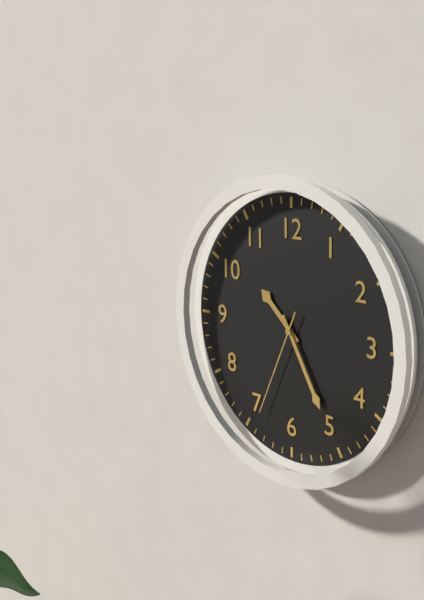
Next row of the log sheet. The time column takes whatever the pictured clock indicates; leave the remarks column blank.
10:25:34
